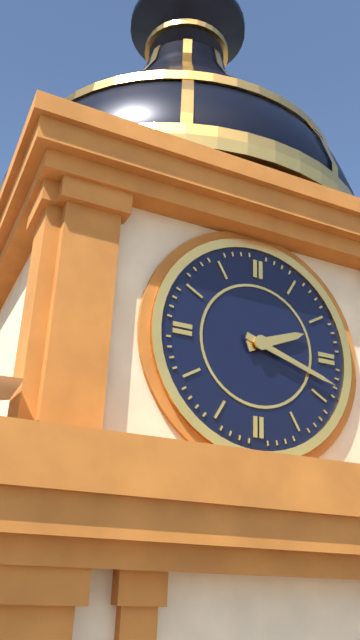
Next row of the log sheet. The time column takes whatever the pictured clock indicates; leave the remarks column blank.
2:18
